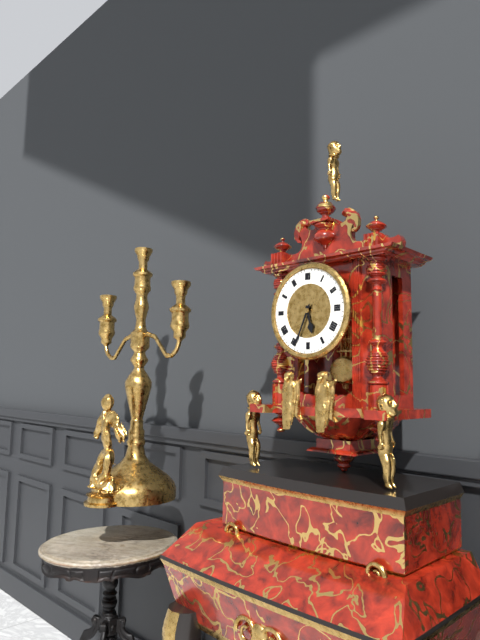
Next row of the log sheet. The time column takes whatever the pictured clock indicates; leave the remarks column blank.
5:34
